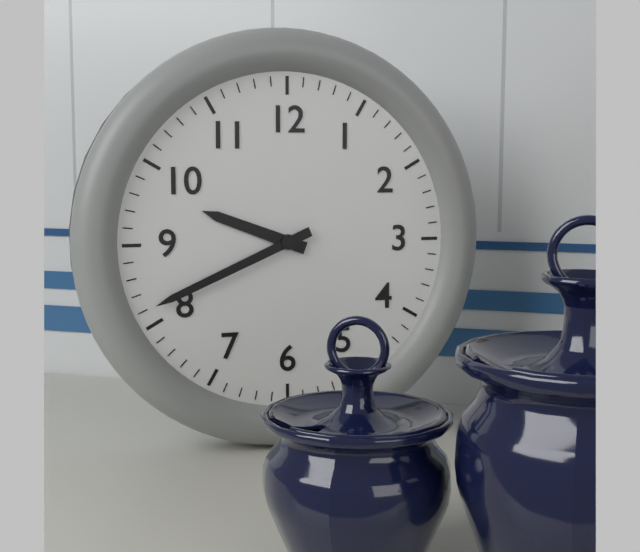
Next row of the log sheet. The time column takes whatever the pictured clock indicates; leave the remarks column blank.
9:41
